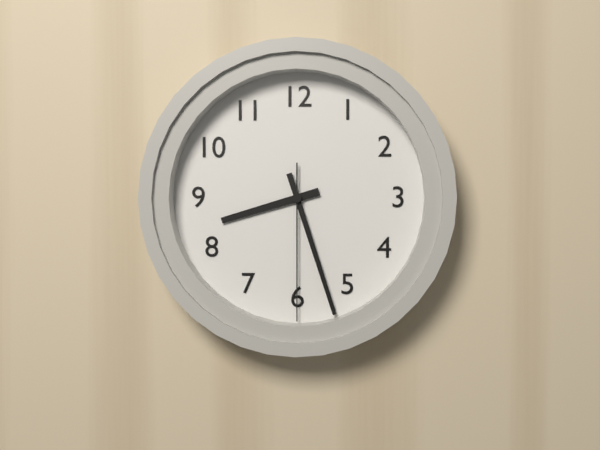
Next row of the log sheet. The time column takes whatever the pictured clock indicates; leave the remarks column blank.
8:27:30
